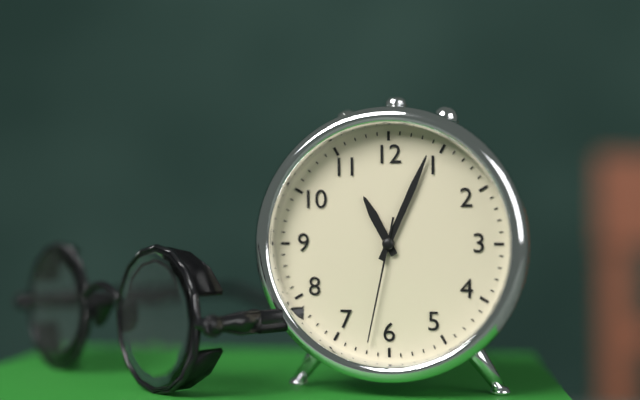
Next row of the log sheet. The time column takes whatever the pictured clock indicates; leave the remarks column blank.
11:04:32
